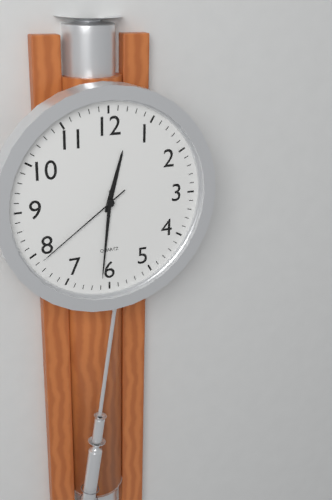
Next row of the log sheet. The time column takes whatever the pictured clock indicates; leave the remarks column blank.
12:31:39
